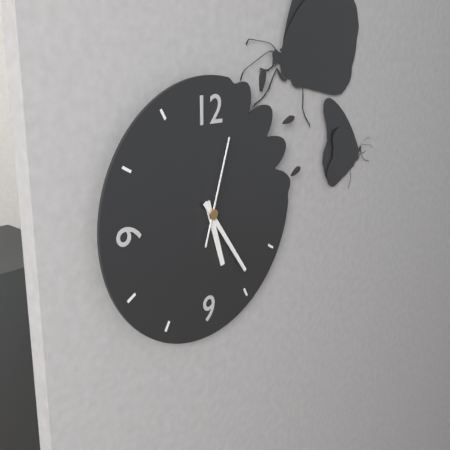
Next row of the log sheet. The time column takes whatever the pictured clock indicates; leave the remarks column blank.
5:24:03
